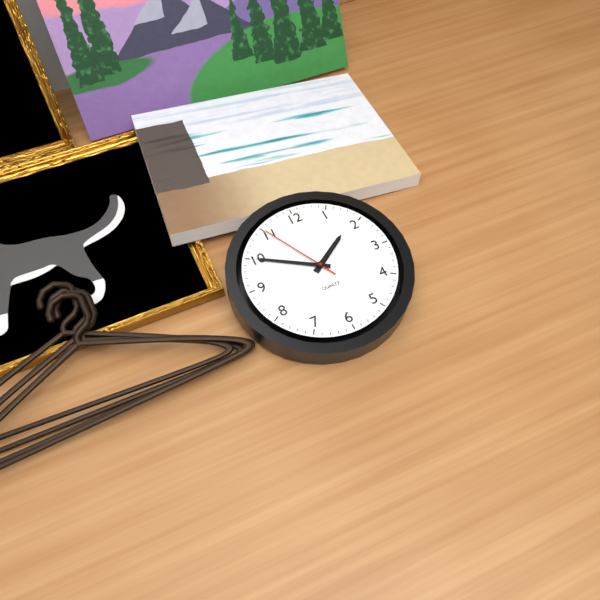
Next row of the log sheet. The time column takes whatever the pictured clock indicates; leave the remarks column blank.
1:50:55
